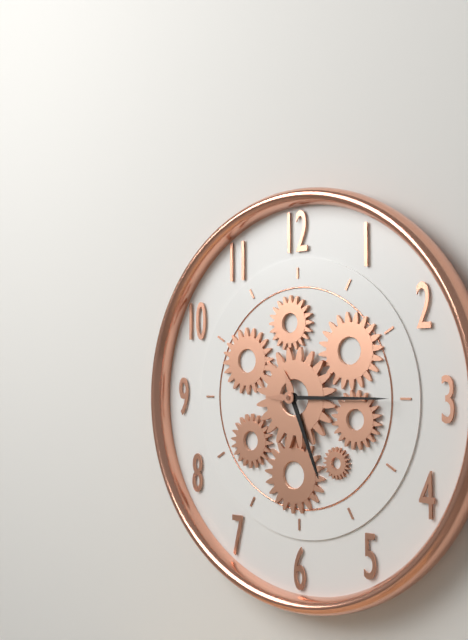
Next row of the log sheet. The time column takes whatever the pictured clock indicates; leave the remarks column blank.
5:15
